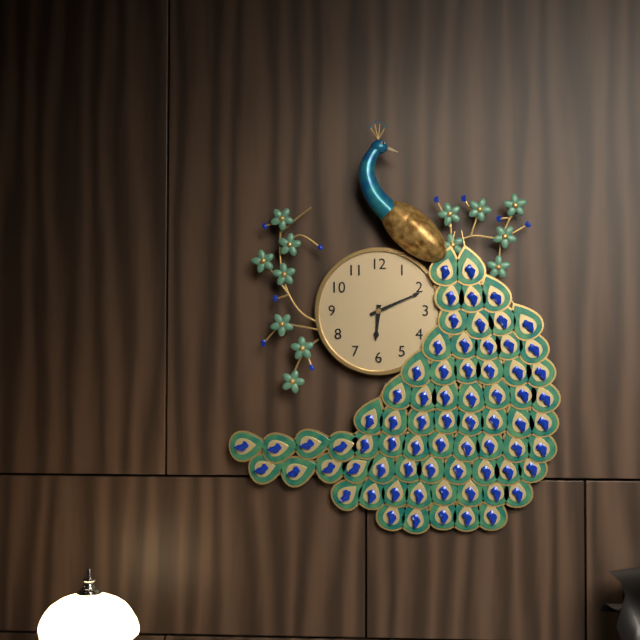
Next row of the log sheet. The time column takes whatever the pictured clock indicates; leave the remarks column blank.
6:11
